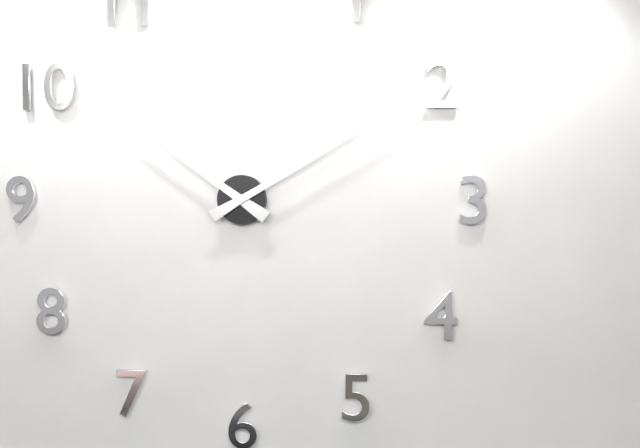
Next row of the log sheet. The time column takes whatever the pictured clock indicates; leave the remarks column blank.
10:10
